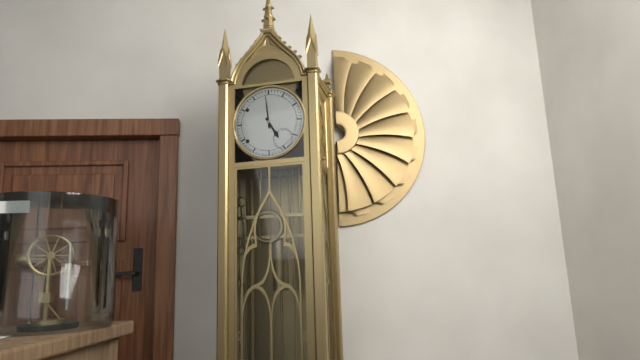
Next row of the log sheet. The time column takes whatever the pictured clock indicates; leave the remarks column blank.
4:59
